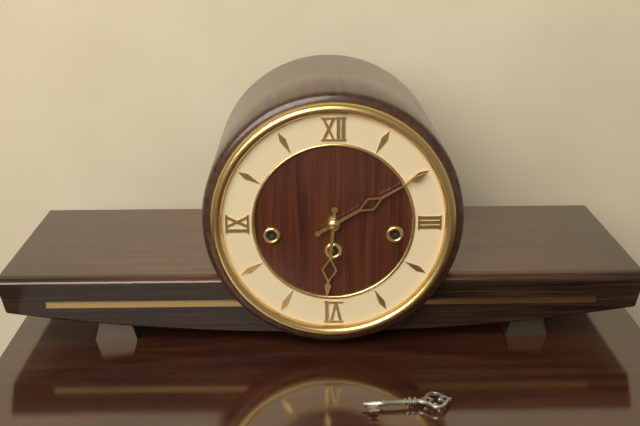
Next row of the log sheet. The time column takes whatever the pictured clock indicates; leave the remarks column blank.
6:10
